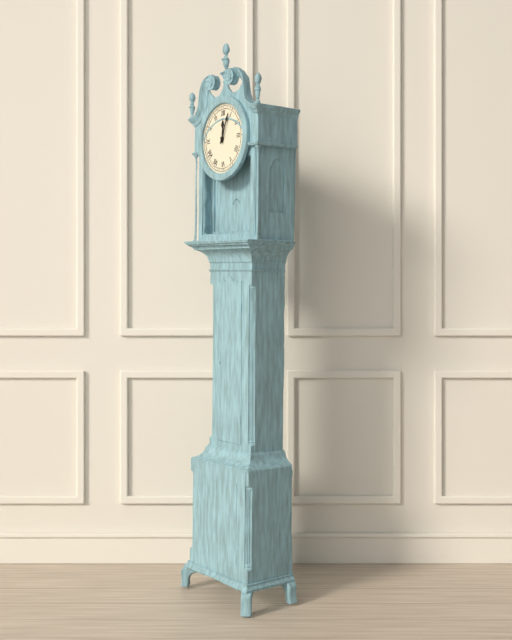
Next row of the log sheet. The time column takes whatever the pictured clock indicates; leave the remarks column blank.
12:04
